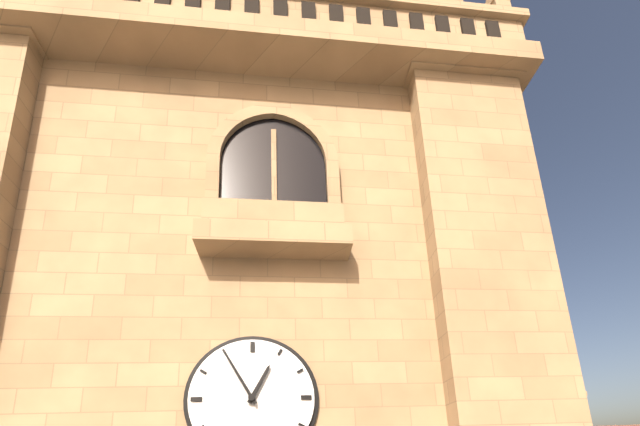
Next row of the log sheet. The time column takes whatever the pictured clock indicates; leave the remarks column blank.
12:55
